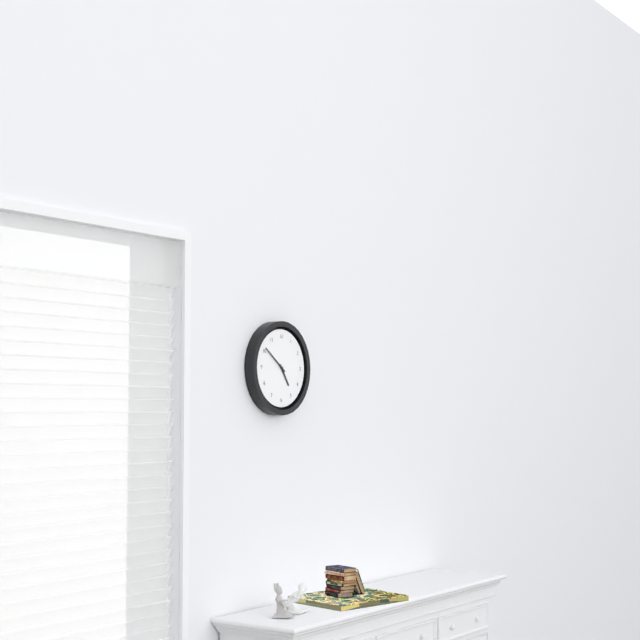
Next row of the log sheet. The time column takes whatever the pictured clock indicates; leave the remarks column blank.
4:51
